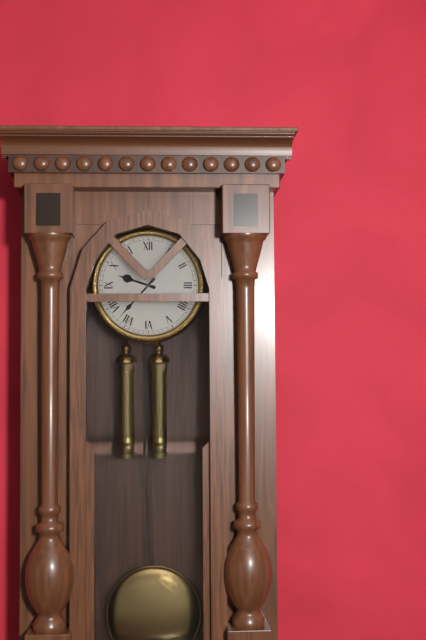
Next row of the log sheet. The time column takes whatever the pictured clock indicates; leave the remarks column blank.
9:37
